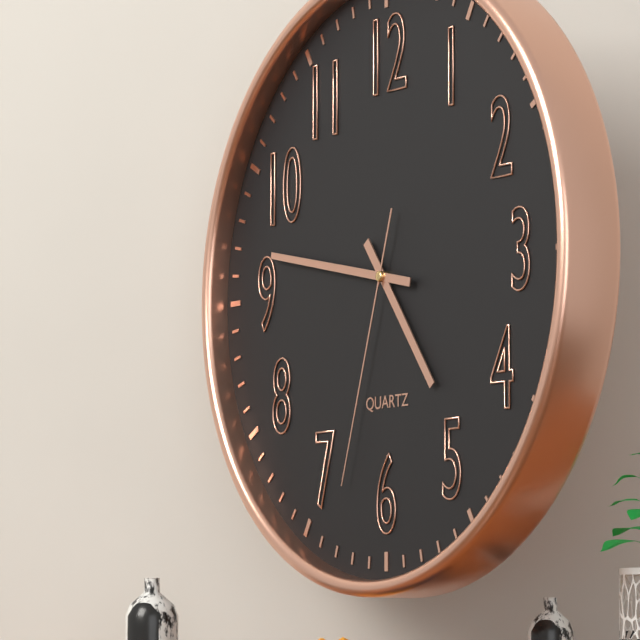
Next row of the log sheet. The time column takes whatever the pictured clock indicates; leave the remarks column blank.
4:47:33
